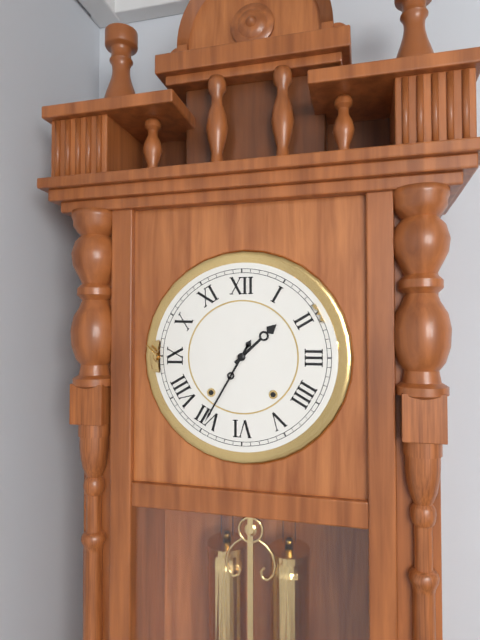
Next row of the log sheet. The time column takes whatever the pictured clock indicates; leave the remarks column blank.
1:35
